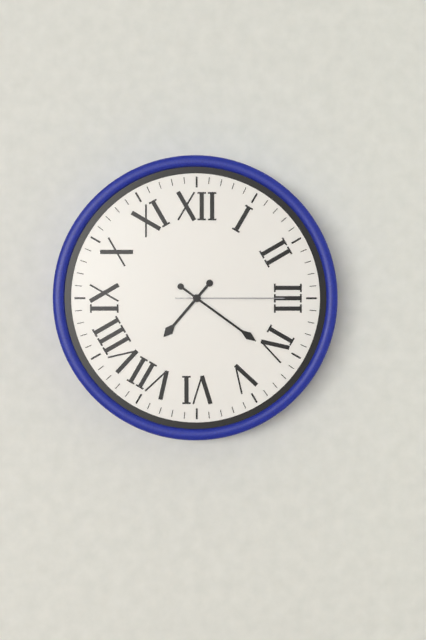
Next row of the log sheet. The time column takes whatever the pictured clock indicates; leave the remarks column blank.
7:21:15
